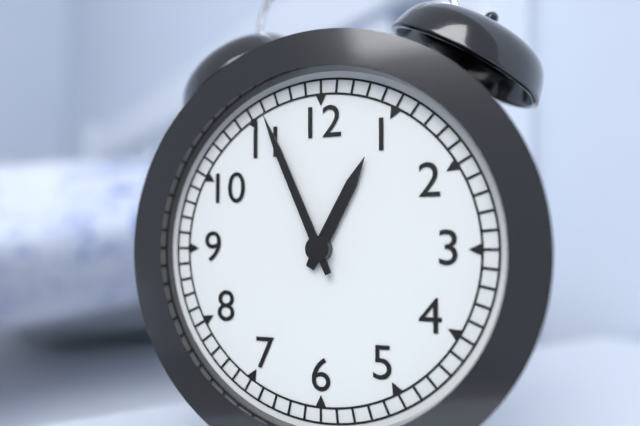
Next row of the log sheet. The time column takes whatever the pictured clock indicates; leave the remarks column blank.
12:56
